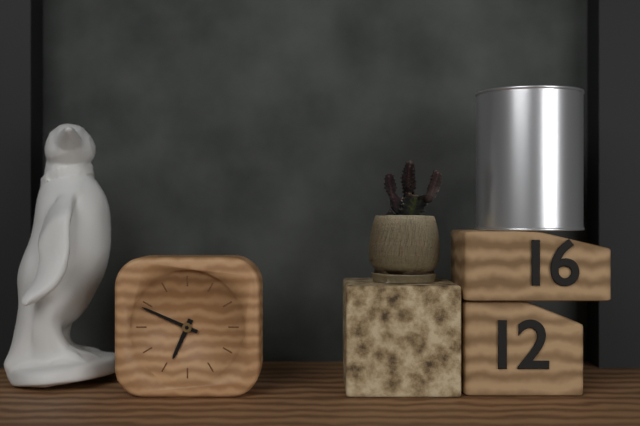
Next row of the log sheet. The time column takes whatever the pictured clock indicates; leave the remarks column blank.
6:49
